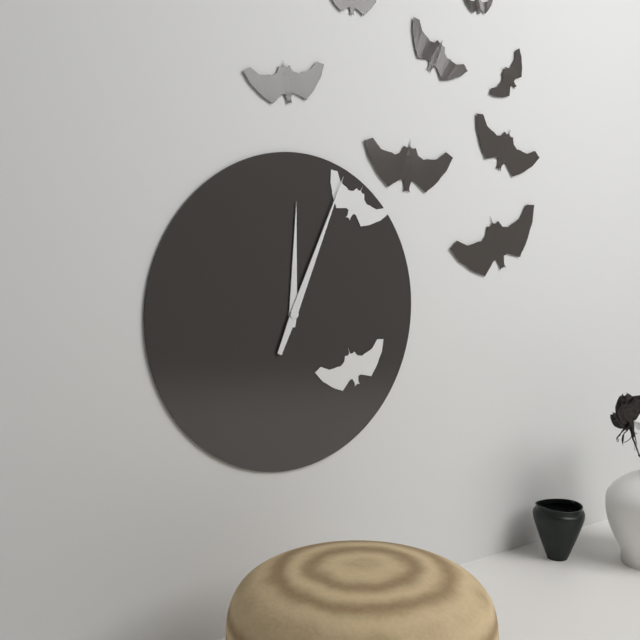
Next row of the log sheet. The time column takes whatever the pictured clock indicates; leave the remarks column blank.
12:04
